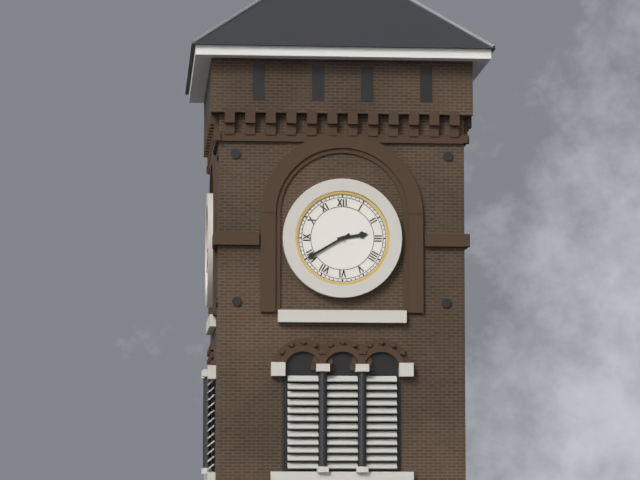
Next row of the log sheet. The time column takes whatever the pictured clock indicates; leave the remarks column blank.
2:40
